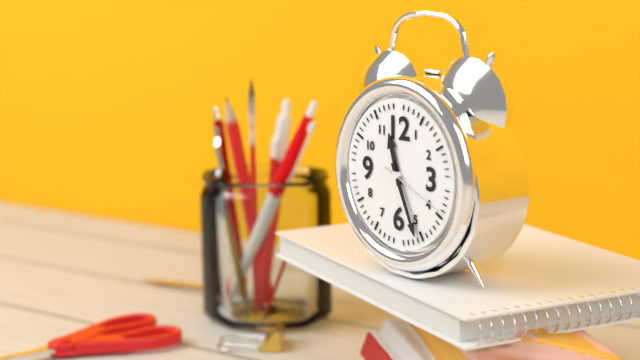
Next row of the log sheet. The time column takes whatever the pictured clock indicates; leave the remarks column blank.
11:26:19
